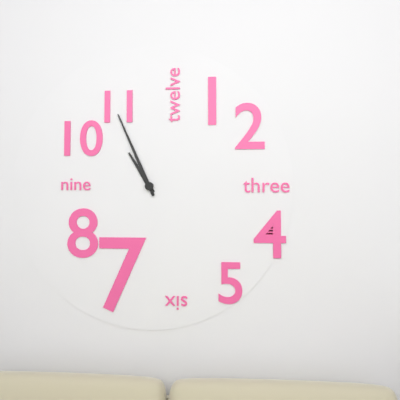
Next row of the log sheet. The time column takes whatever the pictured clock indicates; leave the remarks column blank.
10:56
